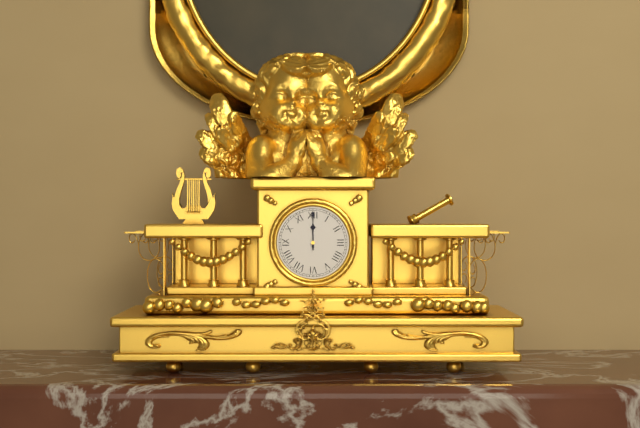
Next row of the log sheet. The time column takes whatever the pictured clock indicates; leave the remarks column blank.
12:00
